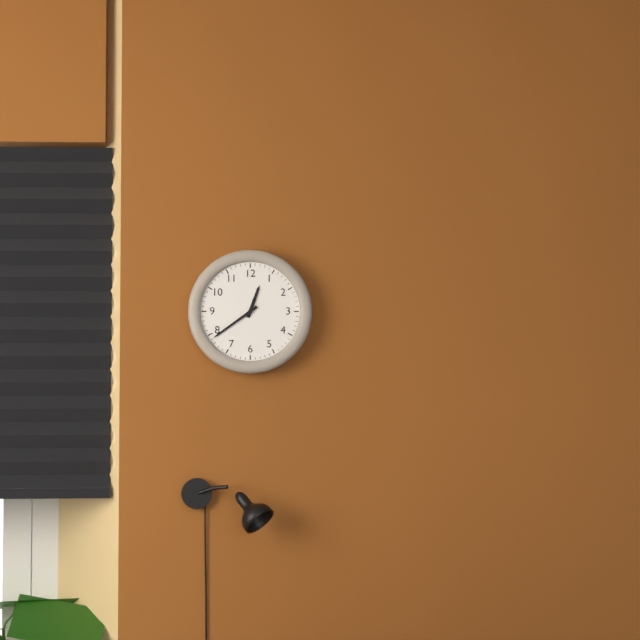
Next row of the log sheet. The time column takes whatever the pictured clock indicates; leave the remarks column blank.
12:39
